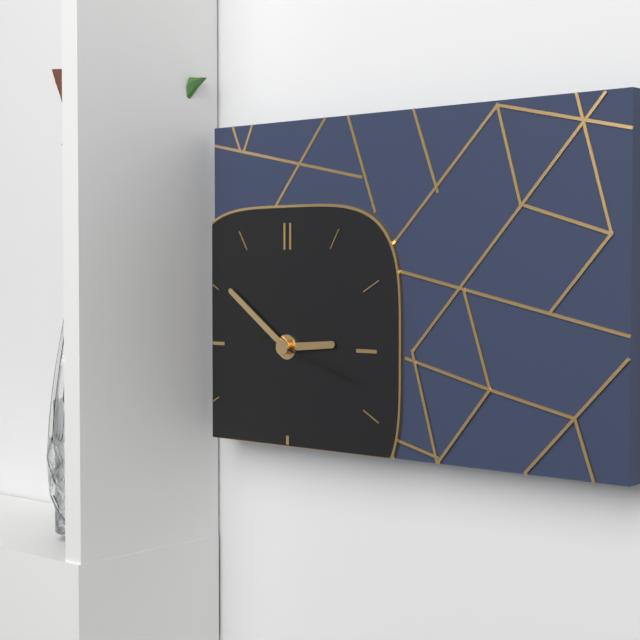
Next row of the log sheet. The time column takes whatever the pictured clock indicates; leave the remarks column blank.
2:51:18
